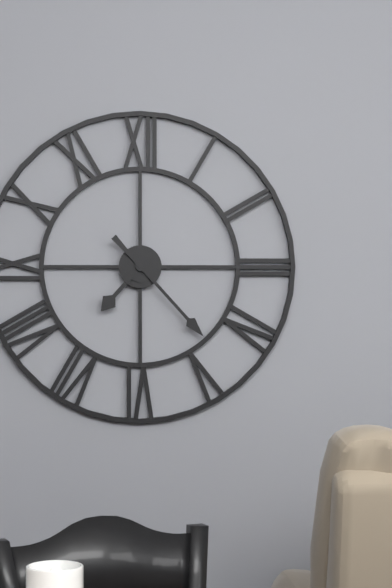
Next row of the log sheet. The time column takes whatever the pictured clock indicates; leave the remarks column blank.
7:23
